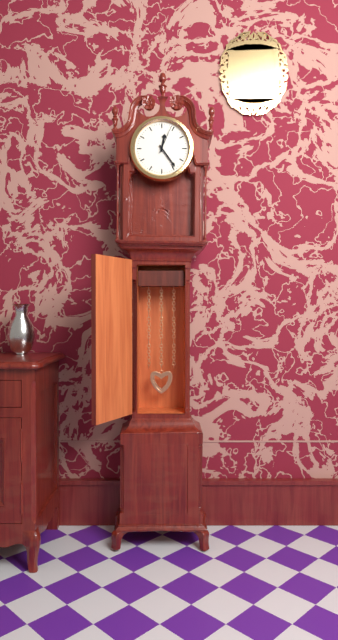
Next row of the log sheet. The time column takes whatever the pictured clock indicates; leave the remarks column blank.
12:24
